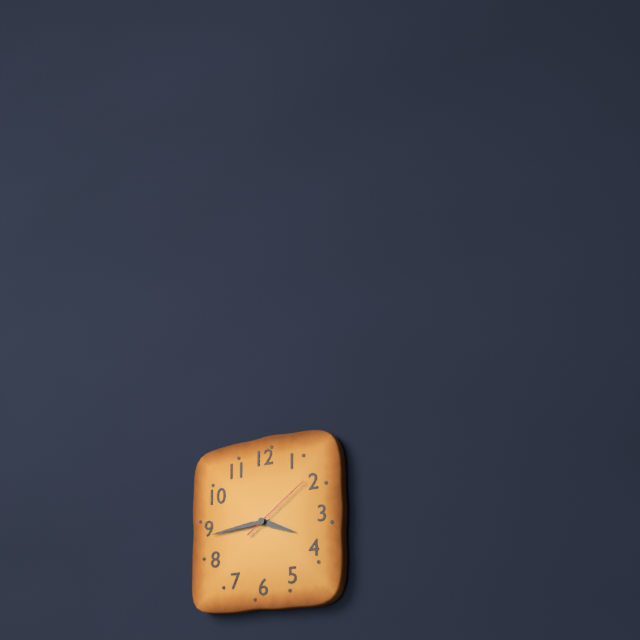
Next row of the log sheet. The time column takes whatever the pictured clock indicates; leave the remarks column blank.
3:44:09
